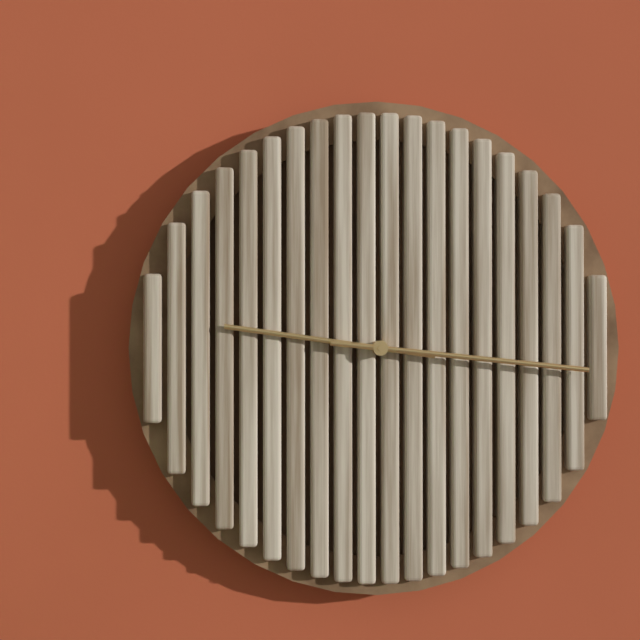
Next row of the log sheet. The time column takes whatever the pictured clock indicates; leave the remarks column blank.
9:16
